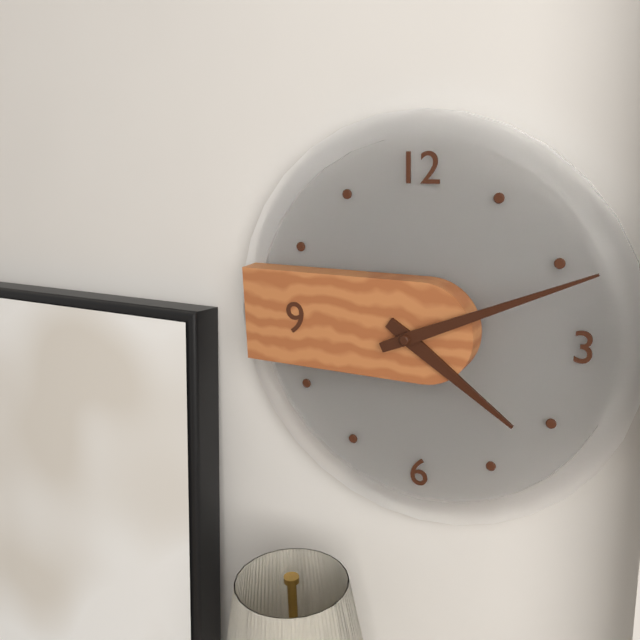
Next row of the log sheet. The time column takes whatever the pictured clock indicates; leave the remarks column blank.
4:11
